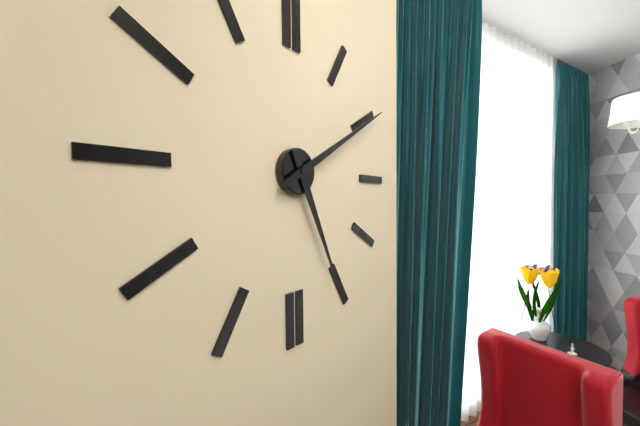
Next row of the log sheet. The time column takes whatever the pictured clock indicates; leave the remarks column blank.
5:10
